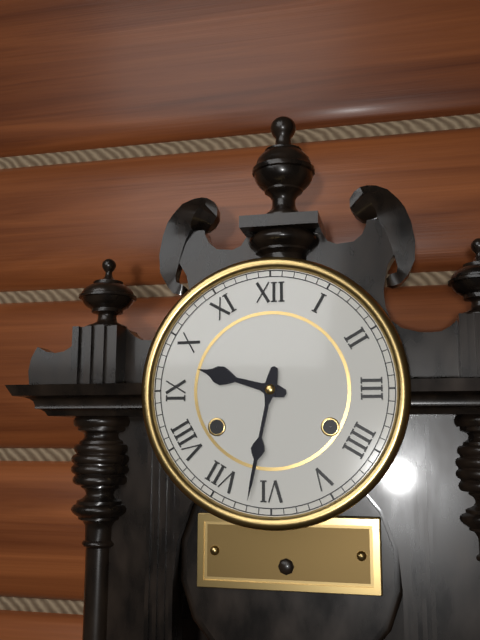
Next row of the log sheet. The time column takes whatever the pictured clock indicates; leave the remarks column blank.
9:32
